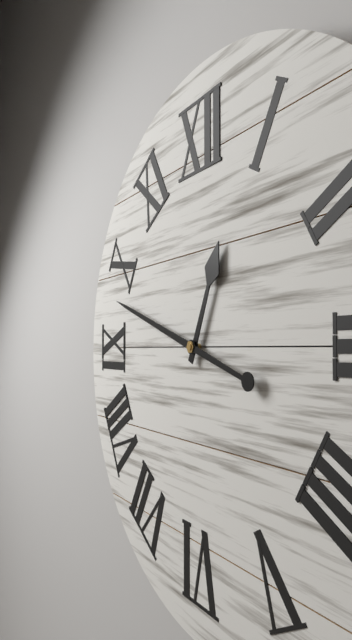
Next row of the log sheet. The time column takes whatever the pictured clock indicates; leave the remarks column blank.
12:48
